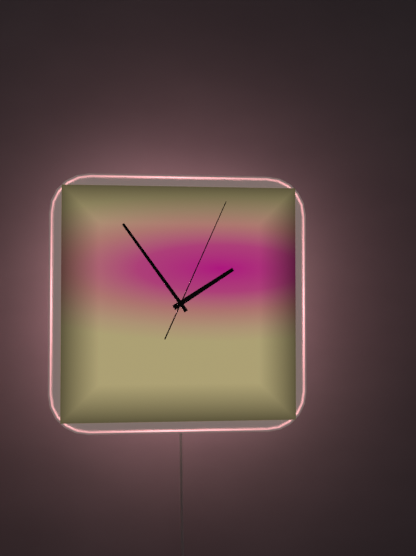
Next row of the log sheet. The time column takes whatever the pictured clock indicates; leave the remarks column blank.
1:54:04
